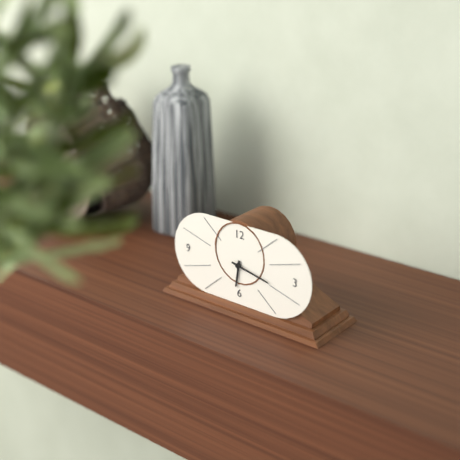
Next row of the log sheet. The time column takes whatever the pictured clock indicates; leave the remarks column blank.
6:17
